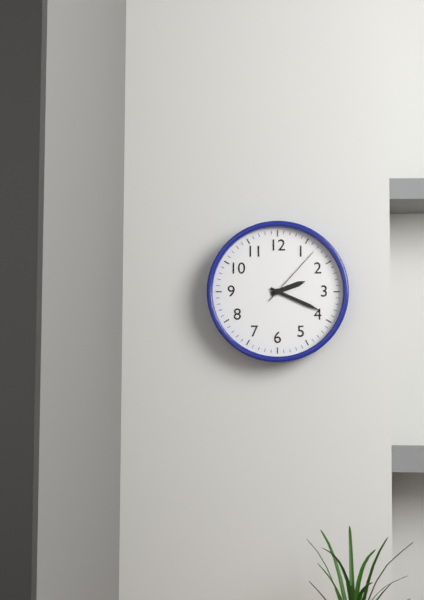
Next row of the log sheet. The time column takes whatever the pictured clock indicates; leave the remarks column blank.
2:19:07
